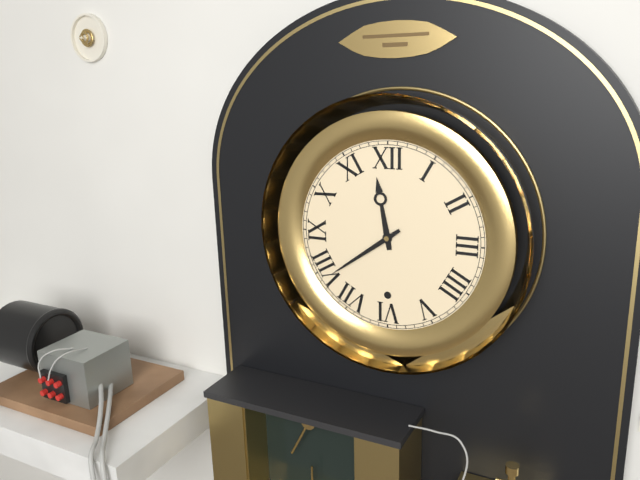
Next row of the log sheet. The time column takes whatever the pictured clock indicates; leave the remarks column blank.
11:39
